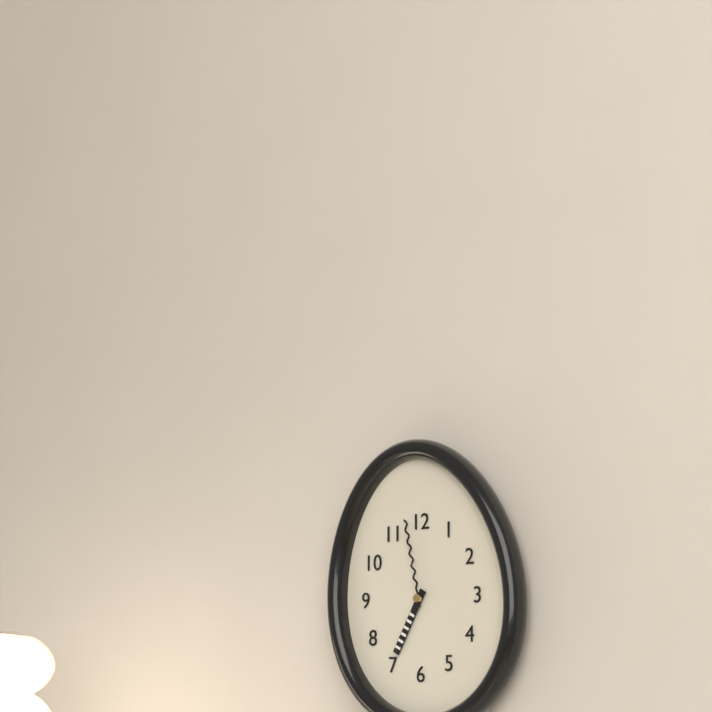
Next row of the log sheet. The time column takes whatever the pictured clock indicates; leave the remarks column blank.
6:58
